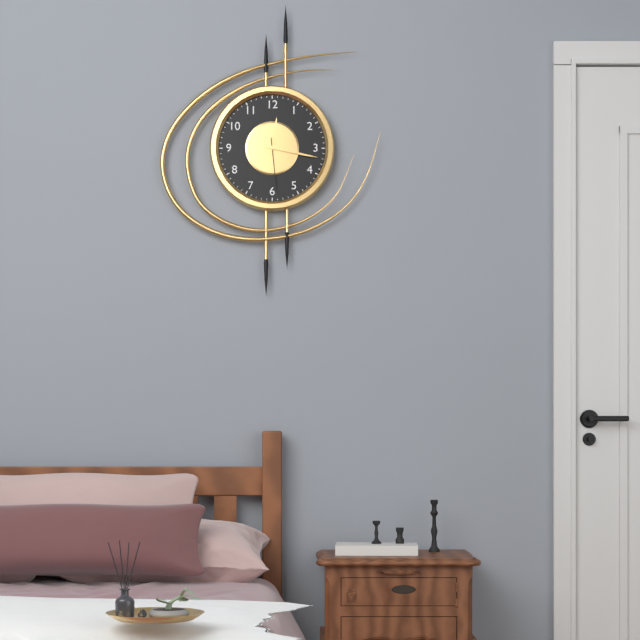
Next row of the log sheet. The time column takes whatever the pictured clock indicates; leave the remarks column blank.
12:17:29
